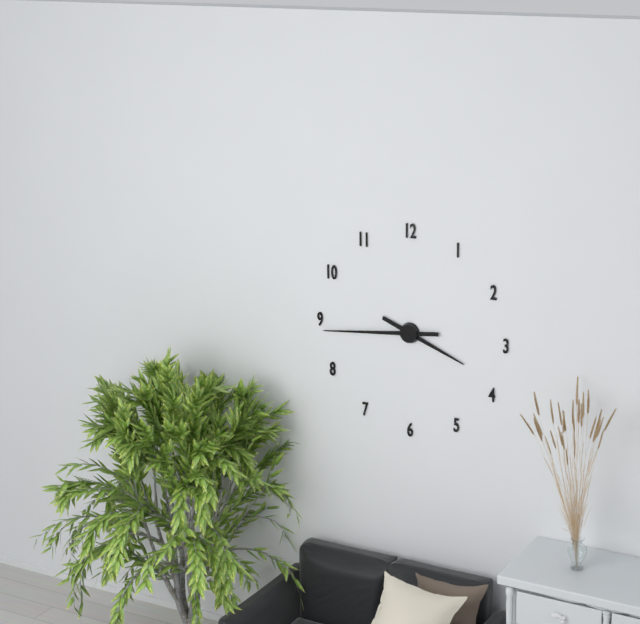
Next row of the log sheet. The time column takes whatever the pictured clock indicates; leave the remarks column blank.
3:44
